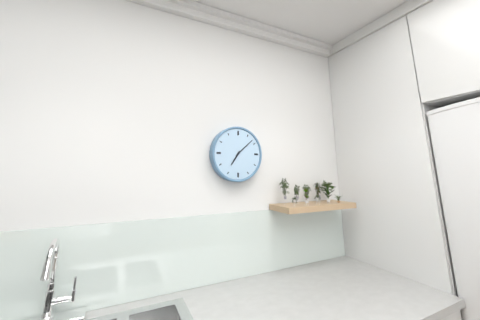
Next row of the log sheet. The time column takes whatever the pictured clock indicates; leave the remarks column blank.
7:08
